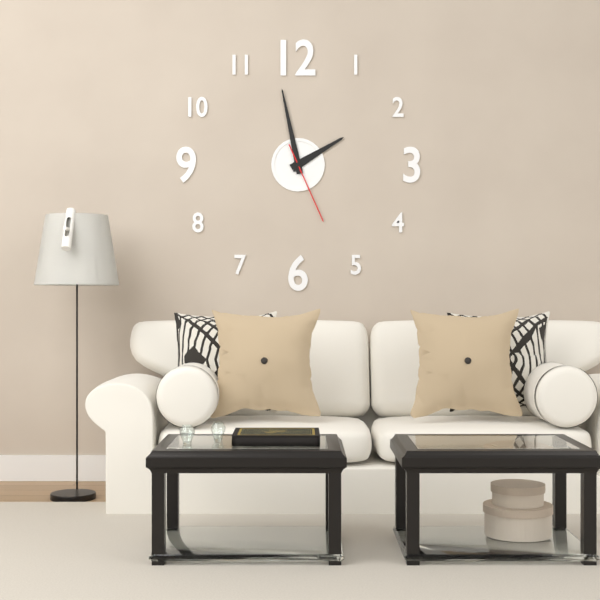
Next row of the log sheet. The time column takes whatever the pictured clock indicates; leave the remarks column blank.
1:58:26
